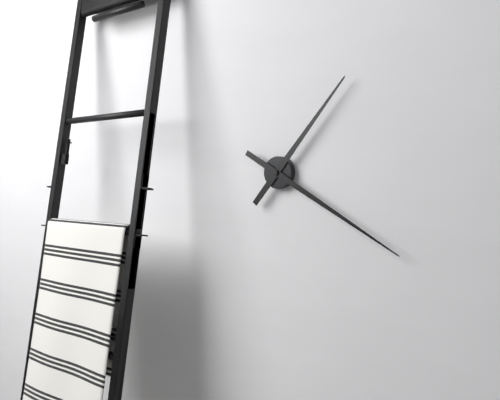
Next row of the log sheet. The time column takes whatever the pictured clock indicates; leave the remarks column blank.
1:20
